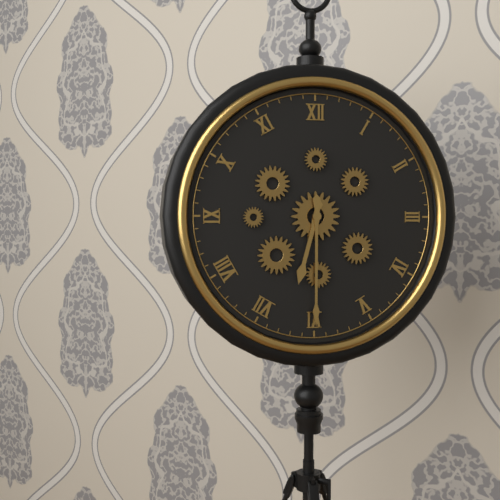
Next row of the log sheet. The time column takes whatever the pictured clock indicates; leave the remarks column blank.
6:30
